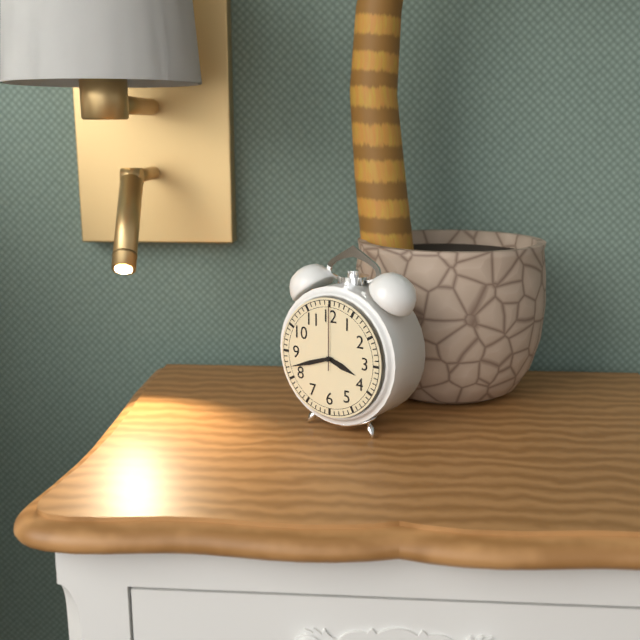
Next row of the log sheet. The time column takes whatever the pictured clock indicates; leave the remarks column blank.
3:42:00
